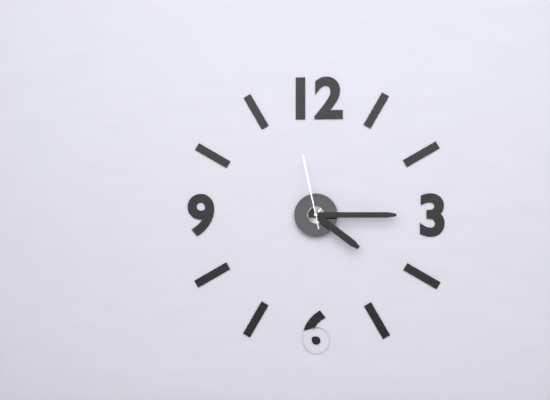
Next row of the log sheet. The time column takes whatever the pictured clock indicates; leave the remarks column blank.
4:15:58
